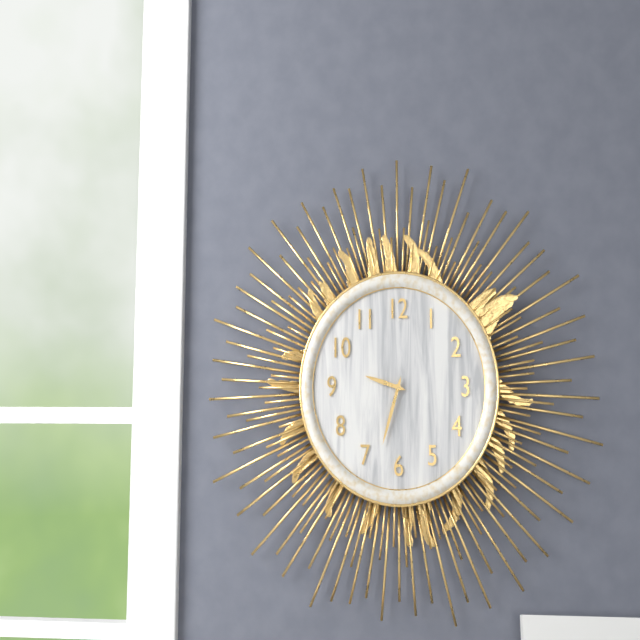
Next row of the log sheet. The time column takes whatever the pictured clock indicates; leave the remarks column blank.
9:33
